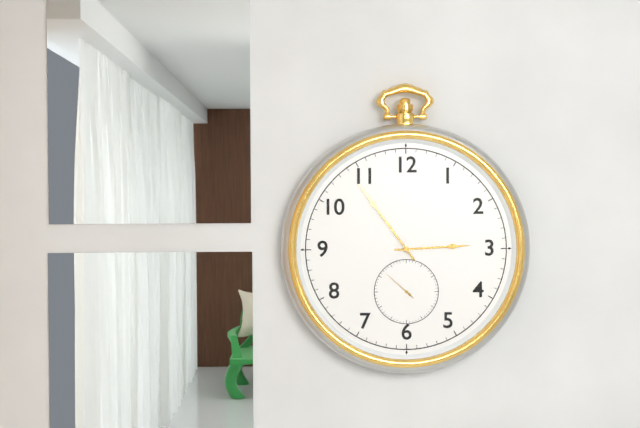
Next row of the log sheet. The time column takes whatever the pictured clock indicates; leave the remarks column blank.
2:54
